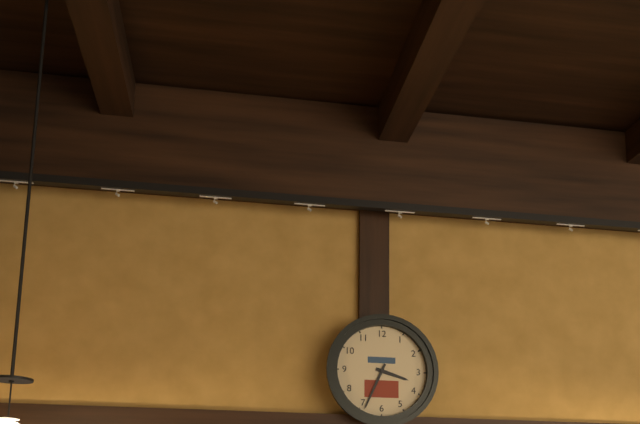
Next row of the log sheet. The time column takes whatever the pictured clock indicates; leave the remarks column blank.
3:34
